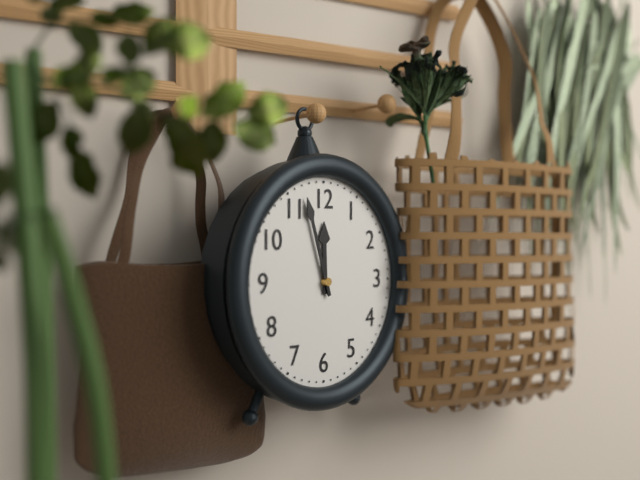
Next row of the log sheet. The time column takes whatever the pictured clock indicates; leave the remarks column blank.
11:57
